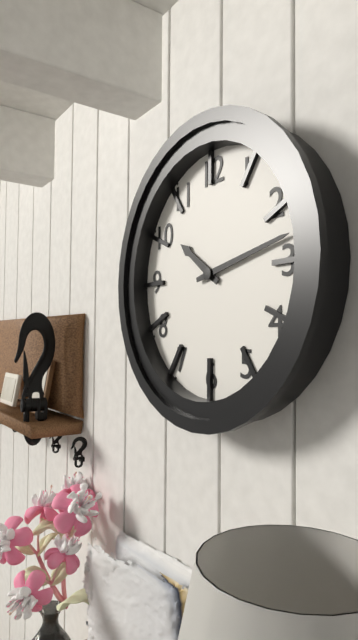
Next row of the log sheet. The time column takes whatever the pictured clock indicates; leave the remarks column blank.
10:13
